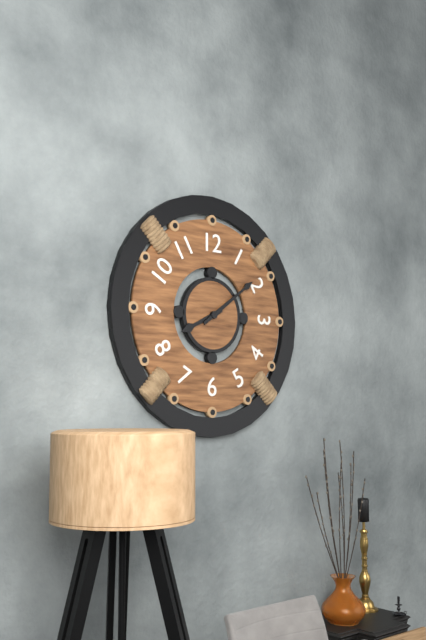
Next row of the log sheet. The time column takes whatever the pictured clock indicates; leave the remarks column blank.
8:09
